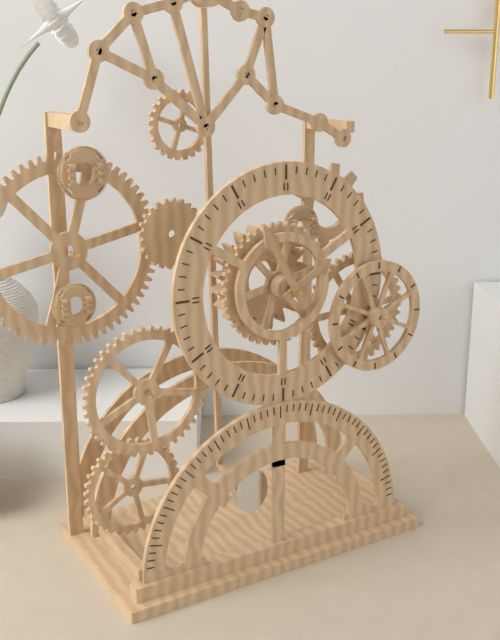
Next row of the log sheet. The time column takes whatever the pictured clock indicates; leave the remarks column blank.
1:55
